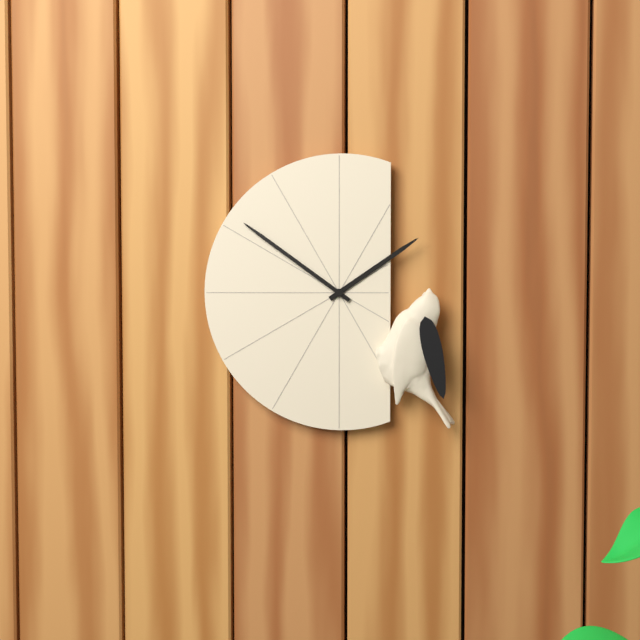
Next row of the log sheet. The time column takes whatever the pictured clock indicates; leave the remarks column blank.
1:51
